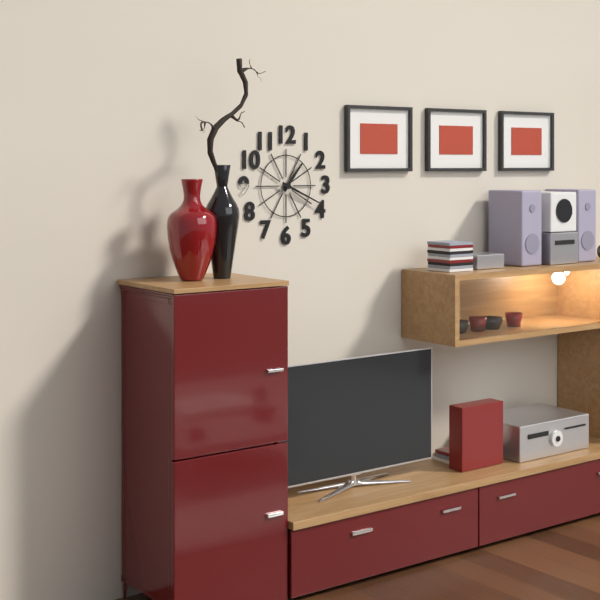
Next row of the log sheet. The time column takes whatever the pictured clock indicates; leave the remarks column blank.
1:19
